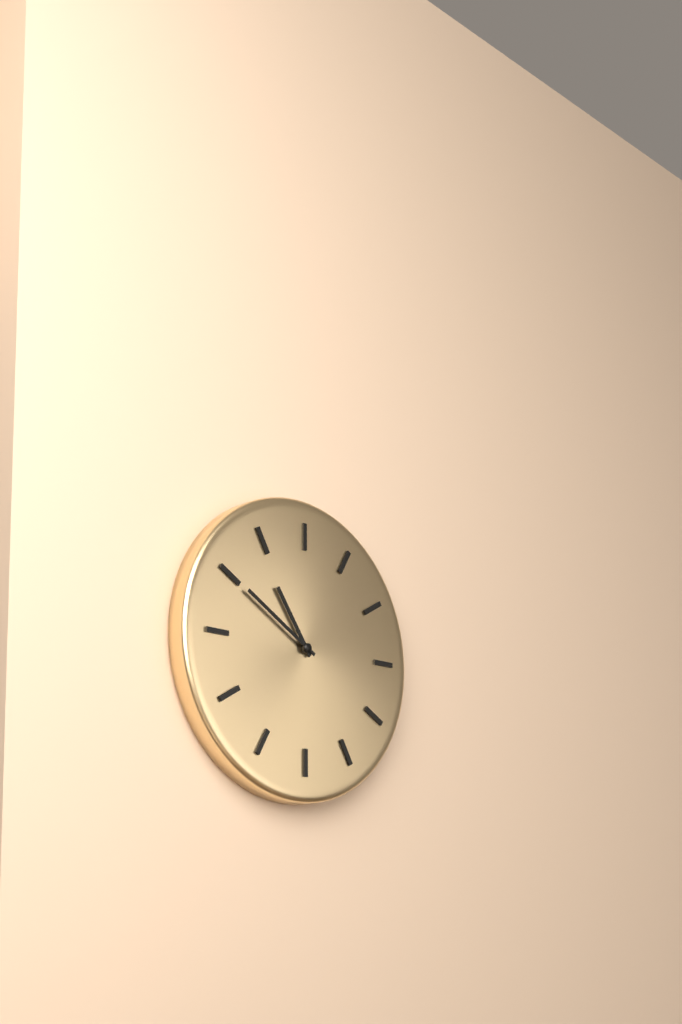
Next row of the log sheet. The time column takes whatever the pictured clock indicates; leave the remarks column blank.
10:50
